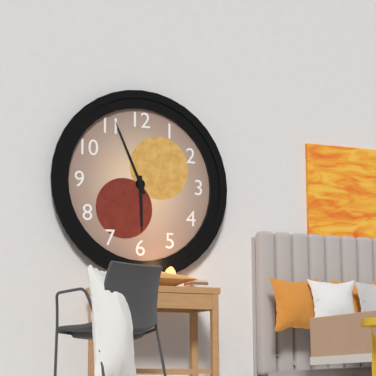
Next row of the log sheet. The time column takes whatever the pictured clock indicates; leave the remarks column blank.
5:56
